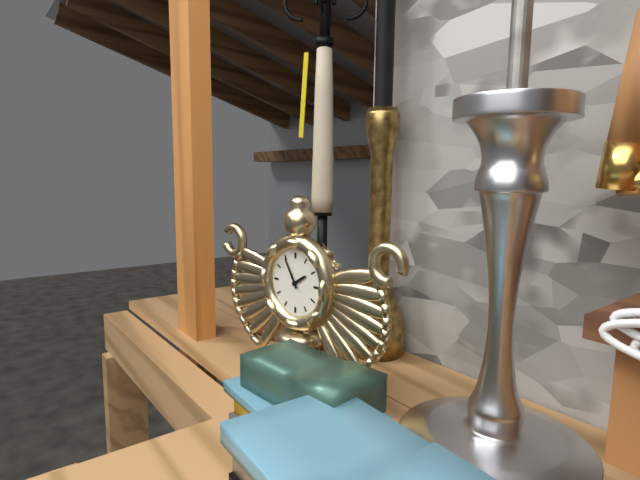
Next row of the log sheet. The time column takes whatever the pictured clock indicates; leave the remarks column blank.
1:55
